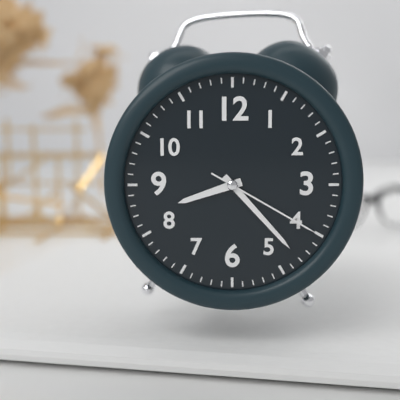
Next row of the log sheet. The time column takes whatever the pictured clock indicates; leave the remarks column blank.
8:23:20
